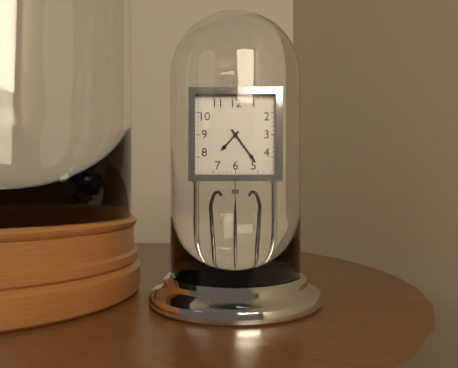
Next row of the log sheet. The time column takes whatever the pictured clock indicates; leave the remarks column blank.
7:24
